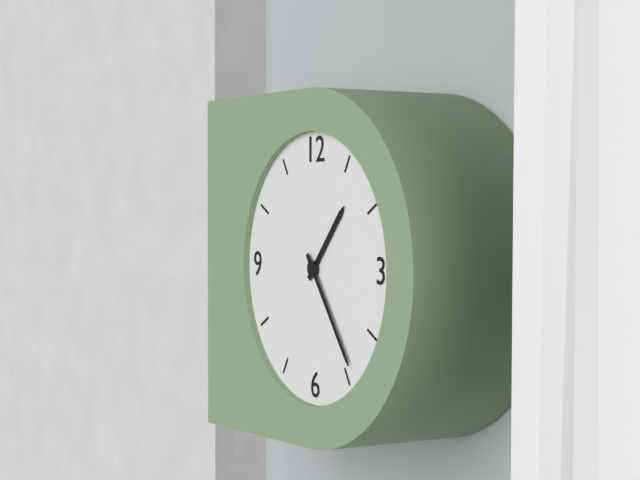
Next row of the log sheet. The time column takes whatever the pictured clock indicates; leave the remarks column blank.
1:24
